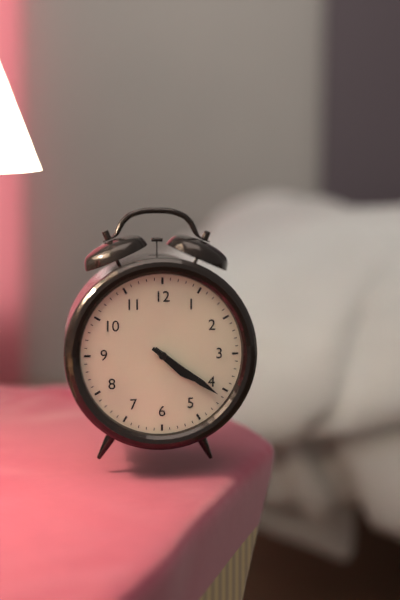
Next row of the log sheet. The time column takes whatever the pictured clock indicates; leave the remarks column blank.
4:21
